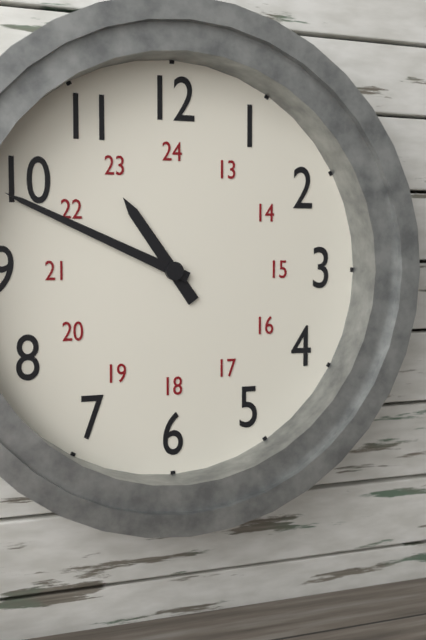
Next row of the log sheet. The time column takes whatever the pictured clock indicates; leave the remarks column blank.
10:49
